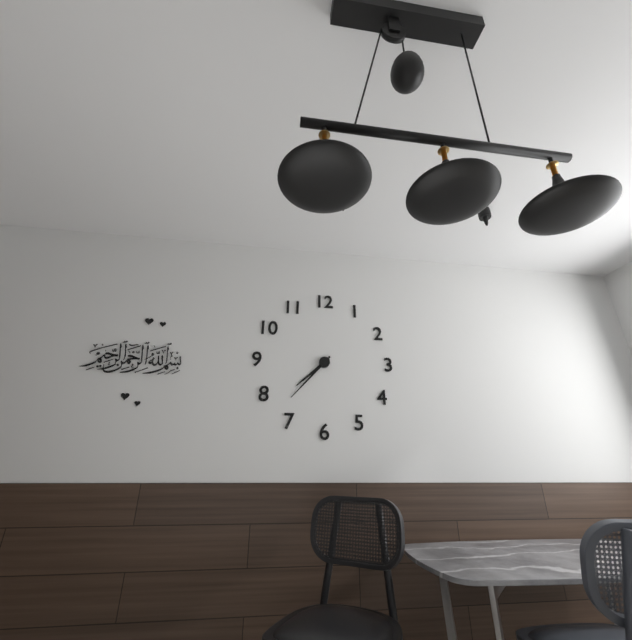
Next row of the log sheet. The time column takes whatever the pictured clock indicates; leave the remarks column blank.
7:37
